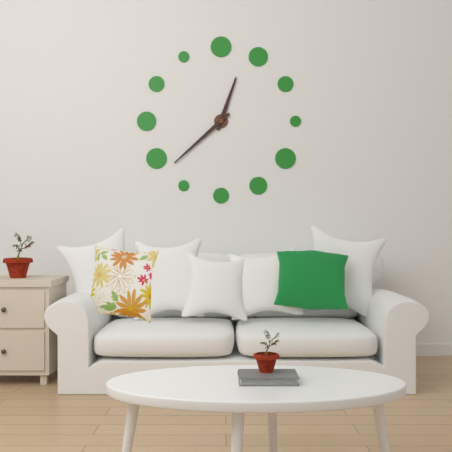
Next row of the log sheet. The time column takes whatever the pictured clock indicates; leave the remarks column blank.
12:38
